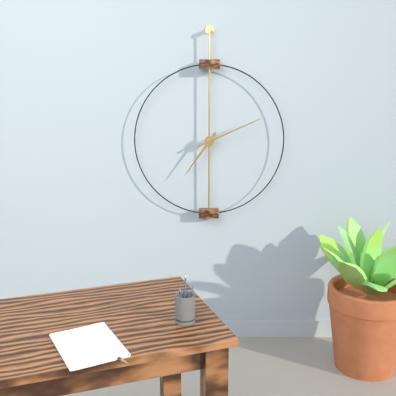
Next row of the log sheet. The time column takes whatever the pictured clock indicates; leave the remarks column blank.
7:11
